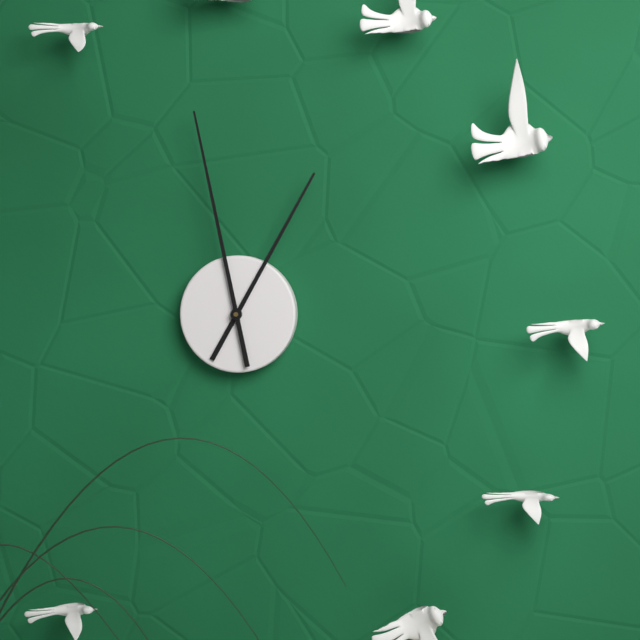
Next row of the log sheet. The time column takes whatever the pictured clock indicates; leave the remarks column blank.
12:58
